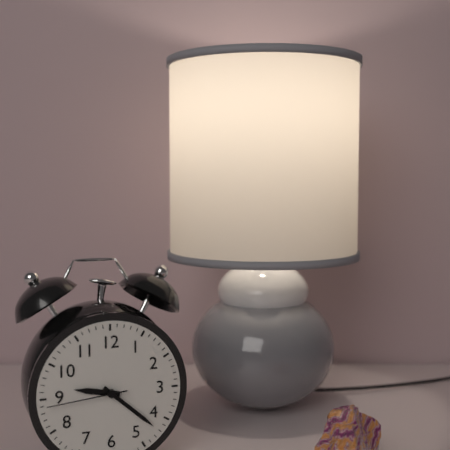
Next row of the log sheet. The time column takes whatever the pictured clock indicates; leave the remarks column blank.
9:22:44
